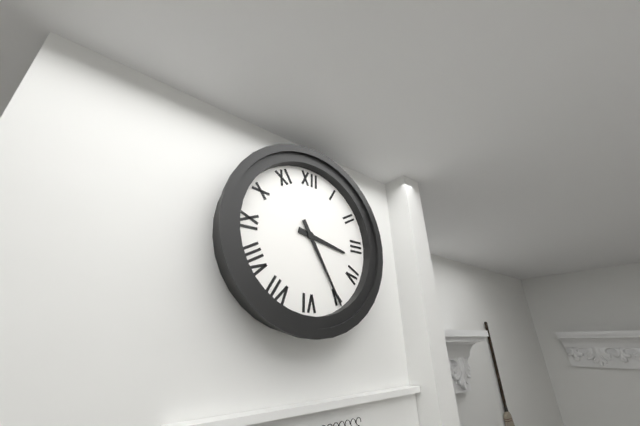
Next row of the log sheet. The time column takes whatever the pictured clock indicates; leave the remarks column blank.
3:25
